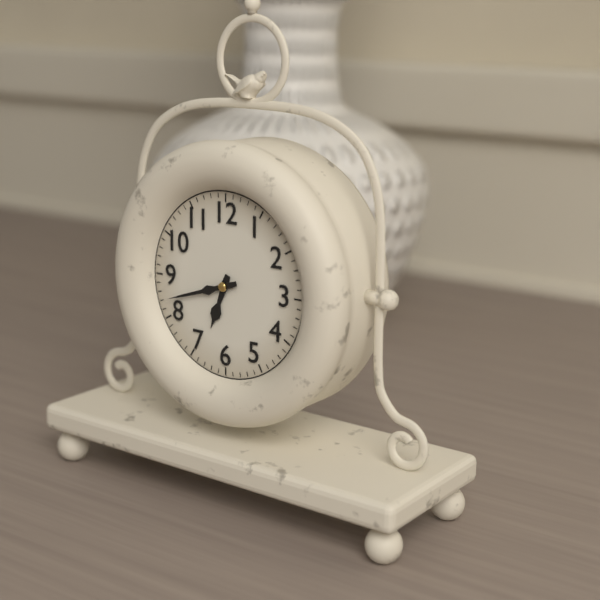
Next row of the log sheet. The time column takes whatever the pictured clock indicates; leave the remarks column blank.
6:42
